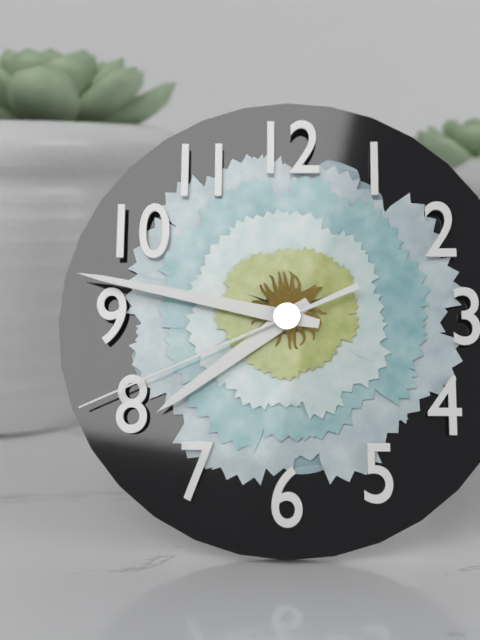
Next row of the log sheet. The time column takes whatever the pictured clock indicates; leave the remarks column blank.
7:47:41
